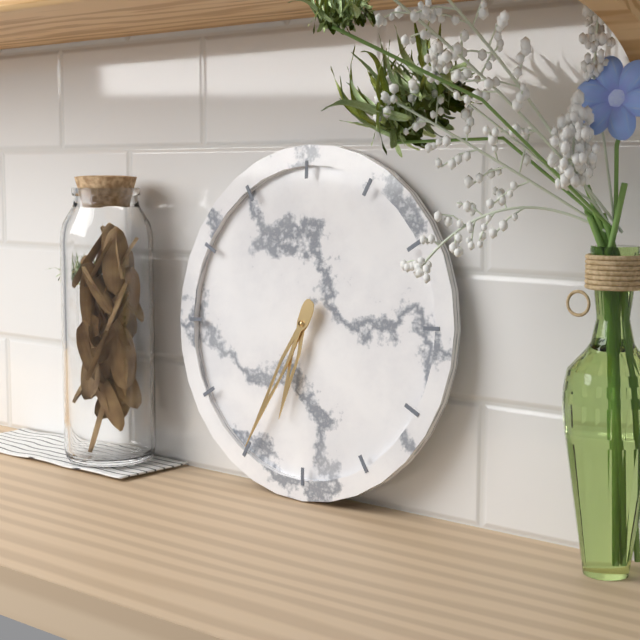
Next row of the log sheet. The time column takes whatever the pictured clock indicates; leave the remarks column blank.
6:35
